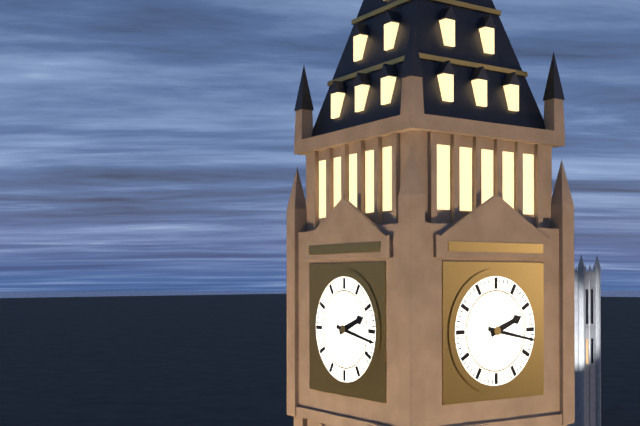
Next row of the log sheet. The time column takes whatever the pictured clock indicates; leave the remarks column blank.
2:17
